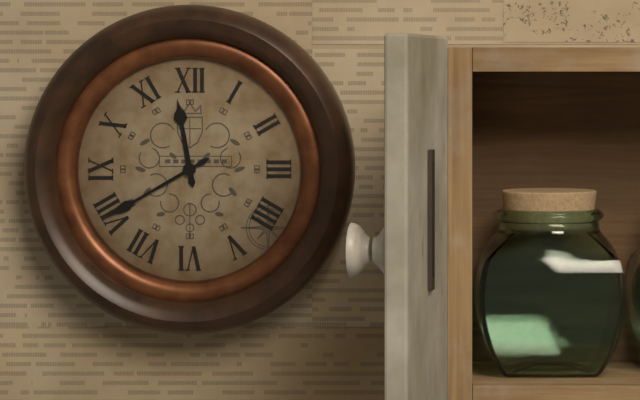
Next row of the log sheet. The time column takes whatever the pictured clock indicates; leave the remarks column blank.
11:40
